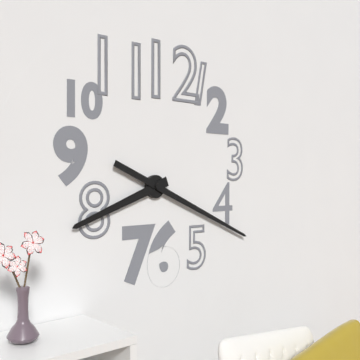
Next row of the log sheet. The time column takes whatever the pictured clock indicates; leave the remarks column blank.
8:19
